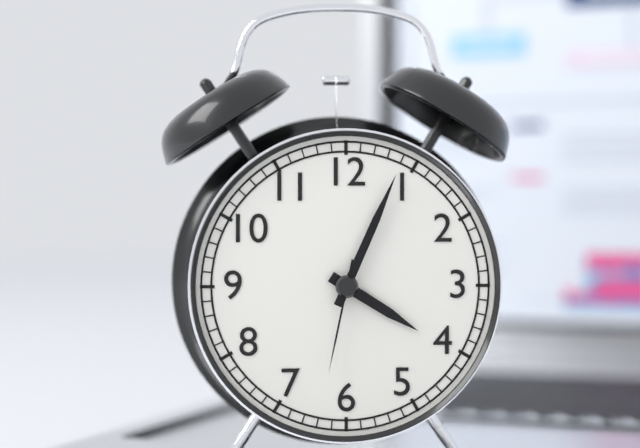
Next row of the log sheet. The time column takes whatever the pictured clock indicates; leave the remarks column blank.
4:04:32
